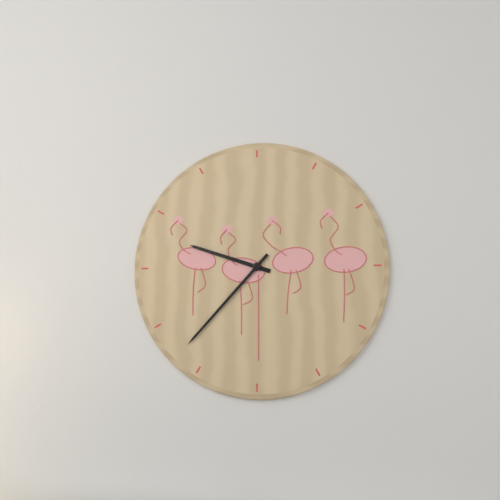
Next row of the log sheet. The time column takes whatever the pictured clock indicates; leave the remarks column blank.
9:37
